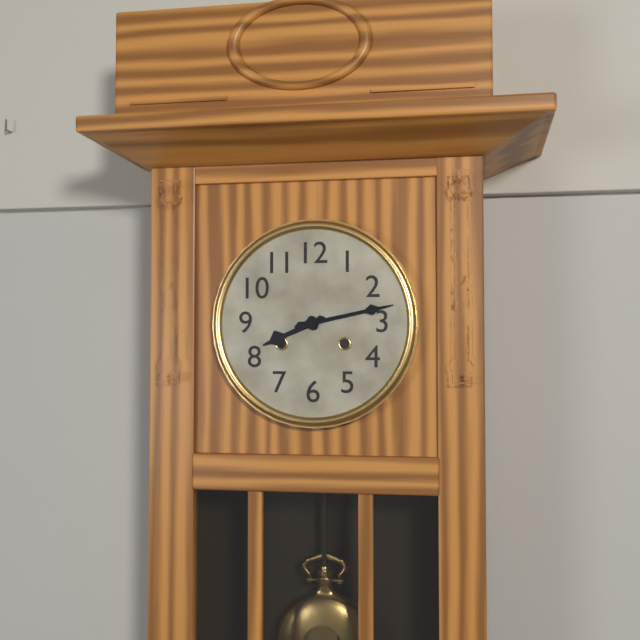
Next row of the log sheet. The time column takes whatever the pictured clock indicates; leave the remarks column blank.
8:13
